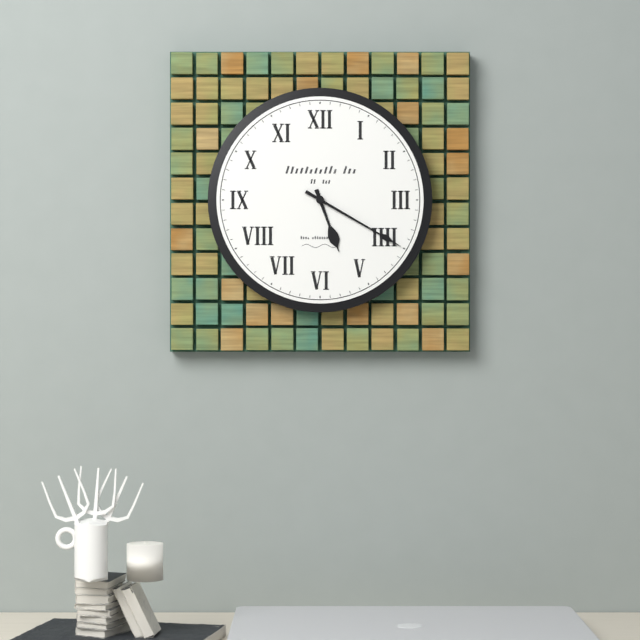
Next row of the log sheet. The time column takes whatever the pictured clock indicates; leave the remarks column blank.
5:20
